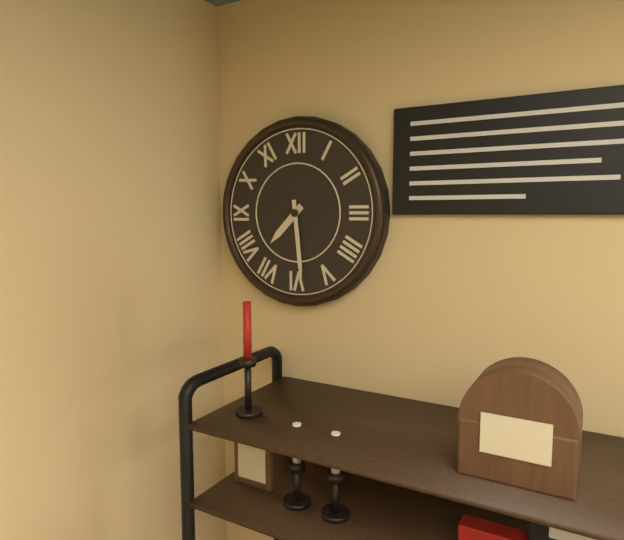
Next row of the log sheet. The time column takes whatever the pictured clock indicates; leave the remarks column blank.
7:29
